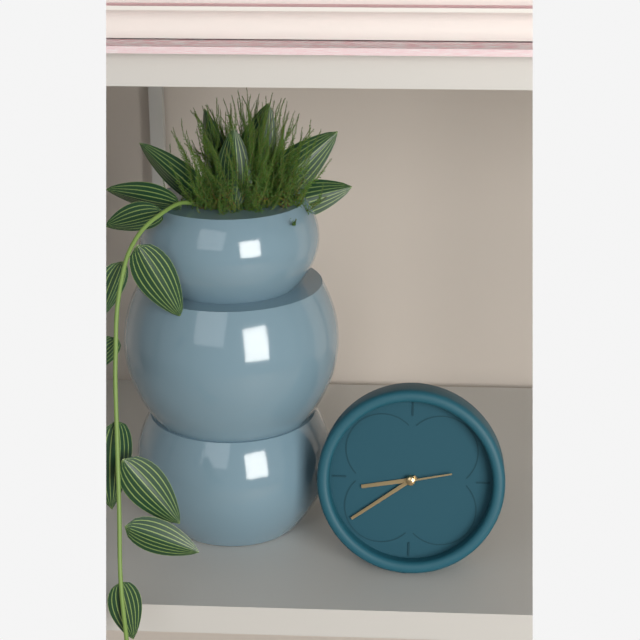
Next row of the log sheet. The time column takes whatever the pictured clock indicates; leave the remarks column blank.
8:39:13
